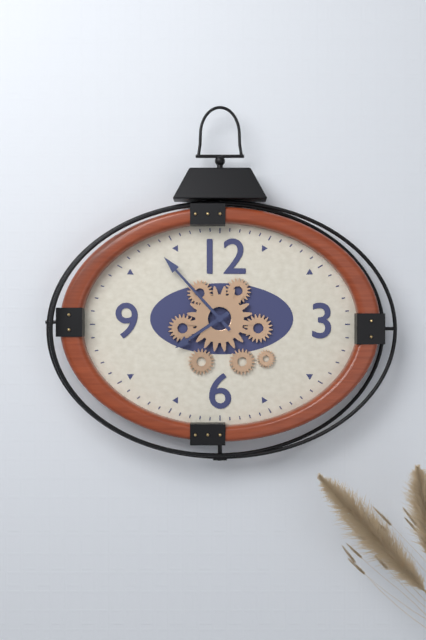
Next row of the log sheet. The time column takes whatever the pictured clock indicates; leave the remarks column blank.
7:53
